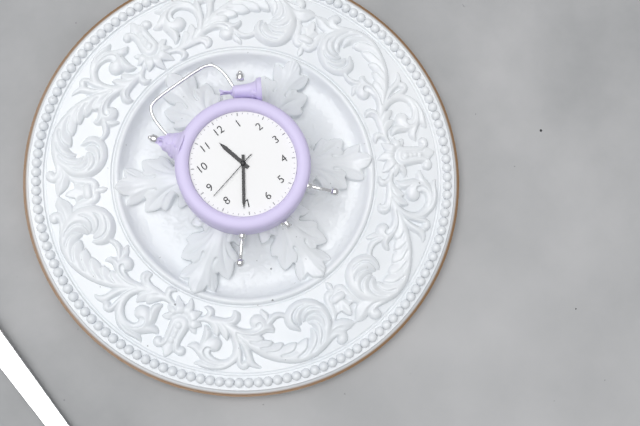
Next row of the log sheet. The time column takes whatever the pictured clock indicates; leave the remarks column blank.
11:36:43
